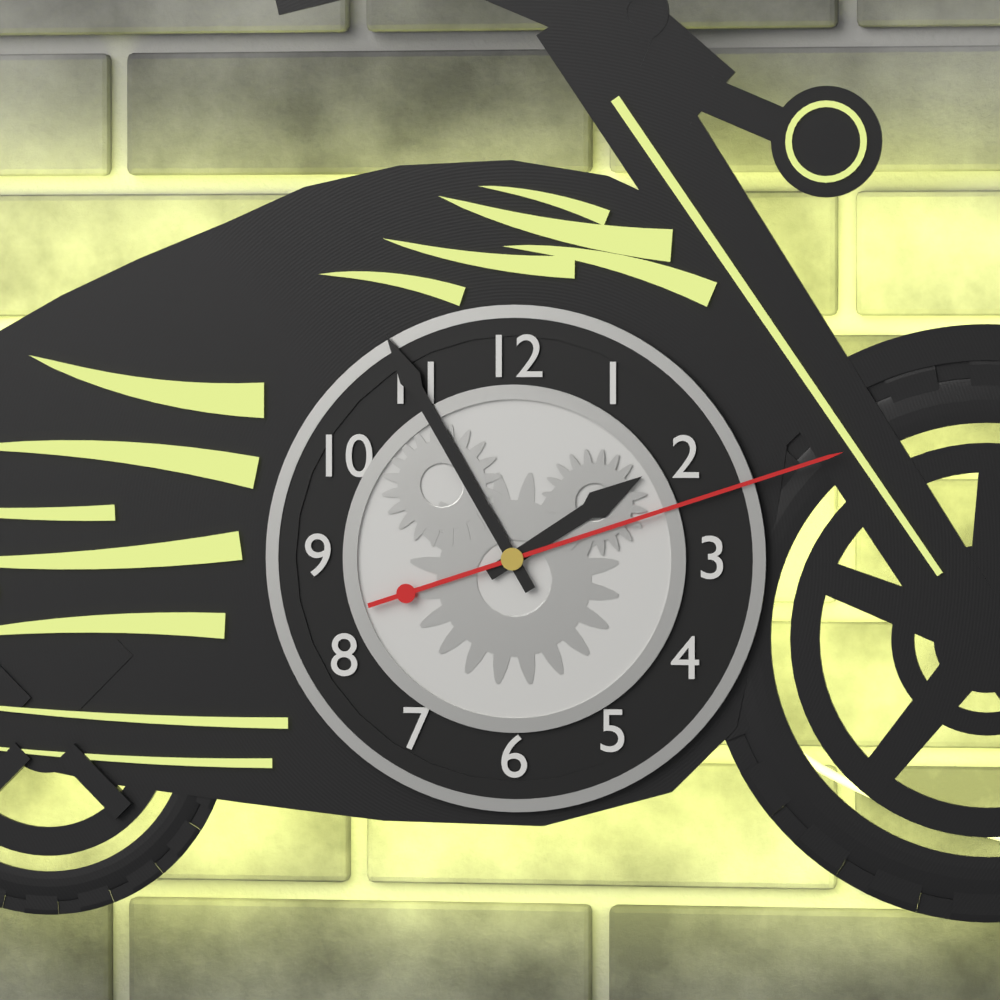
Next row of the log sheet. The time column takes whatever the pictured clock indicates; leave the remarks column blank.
1:55:12
